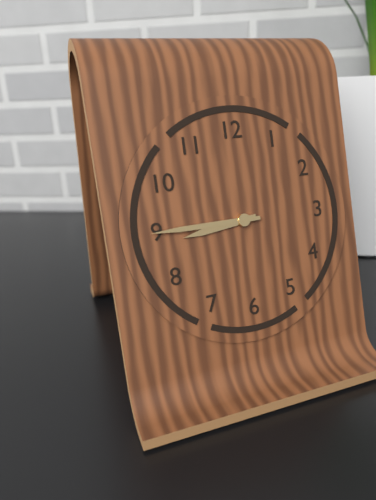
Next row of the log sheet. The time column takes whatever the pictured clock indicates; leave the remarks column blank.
8:45
